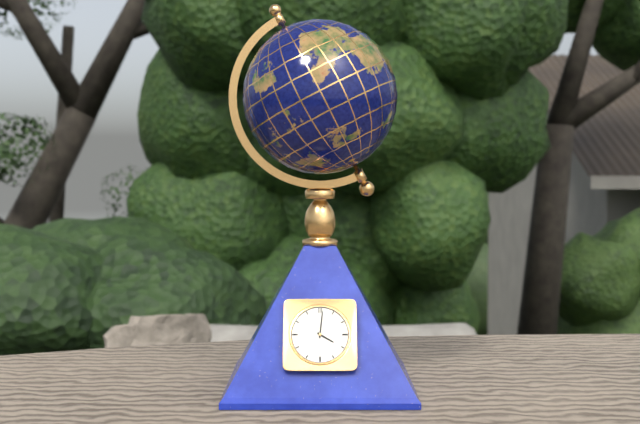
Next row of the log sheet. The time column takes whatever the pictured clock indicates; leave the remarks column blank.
4:01
